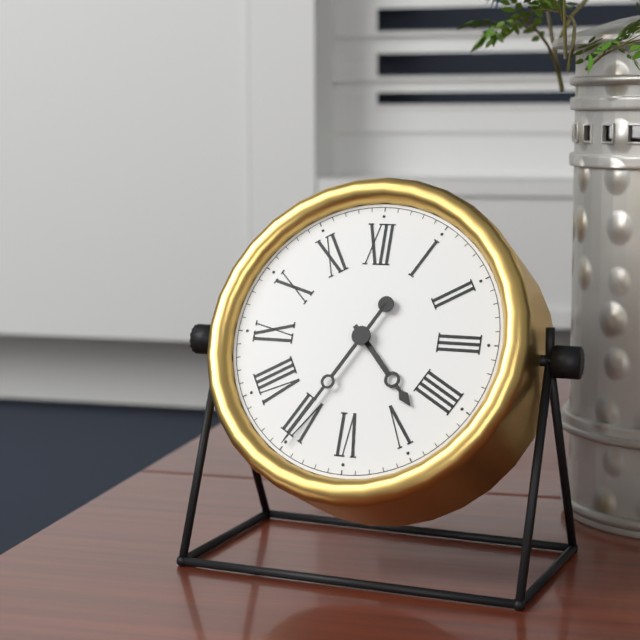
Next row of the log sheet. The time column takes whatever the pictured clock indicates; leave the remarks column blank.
4:35
